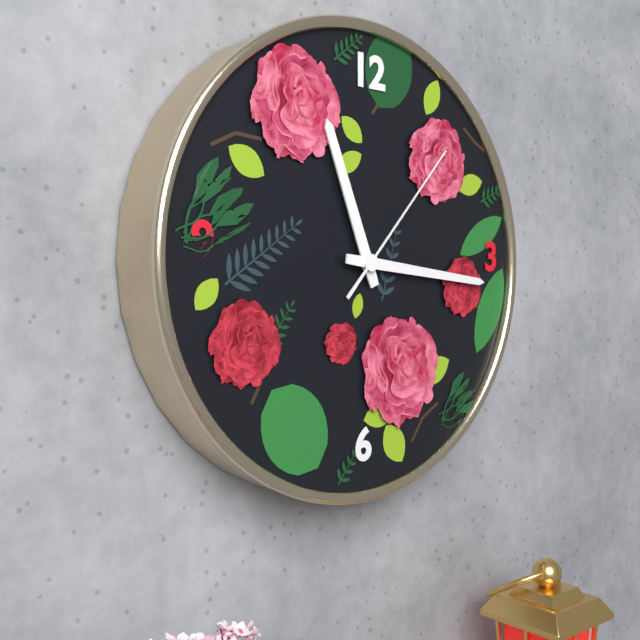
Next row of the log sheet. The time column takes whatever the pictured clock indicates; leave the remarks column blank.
11:16:07
